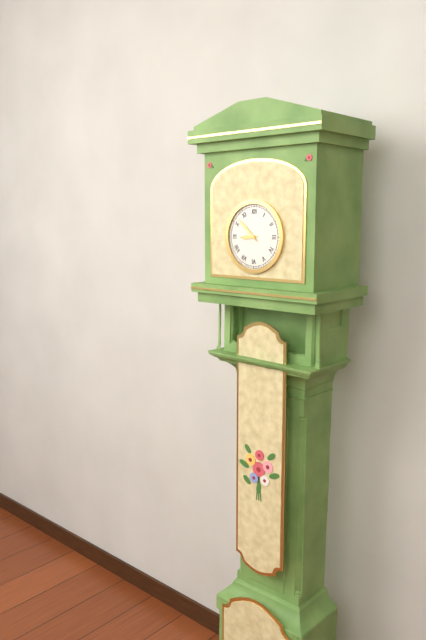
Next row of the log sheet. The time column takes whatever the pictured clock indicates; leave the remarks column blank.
8:52
